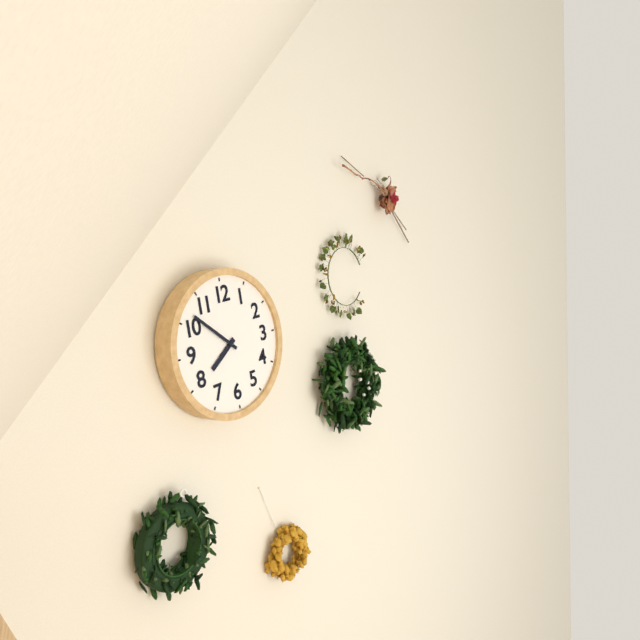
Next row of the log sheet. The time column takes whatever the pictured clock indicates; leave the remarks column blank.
7:52
